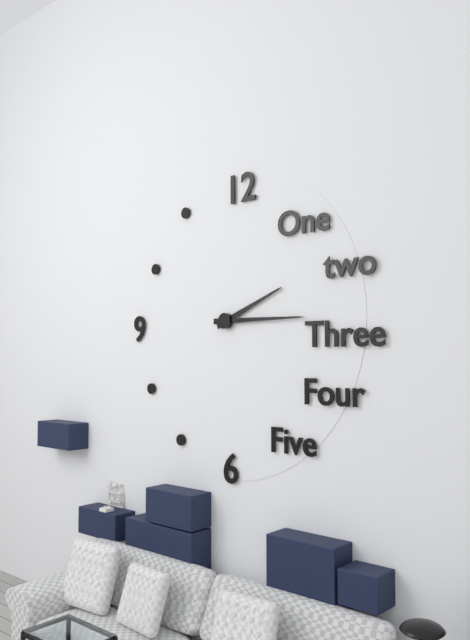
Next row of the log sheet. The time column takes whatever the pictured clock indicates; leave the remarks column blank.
2:15
